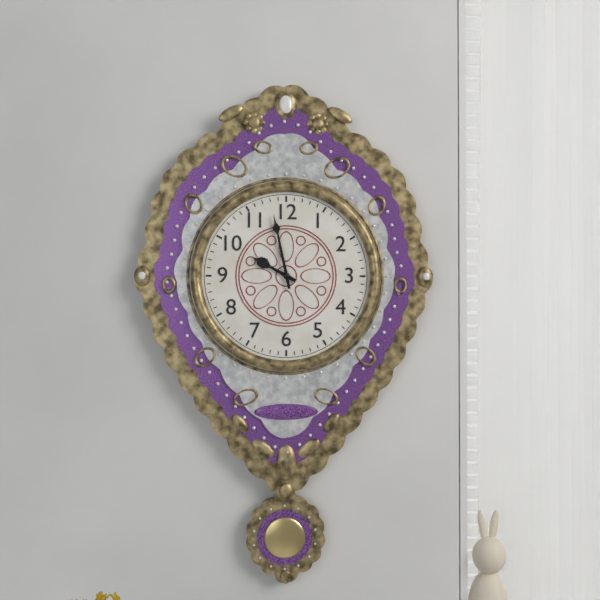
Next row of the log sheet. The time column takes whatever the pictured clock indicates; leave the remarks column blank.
9:58
